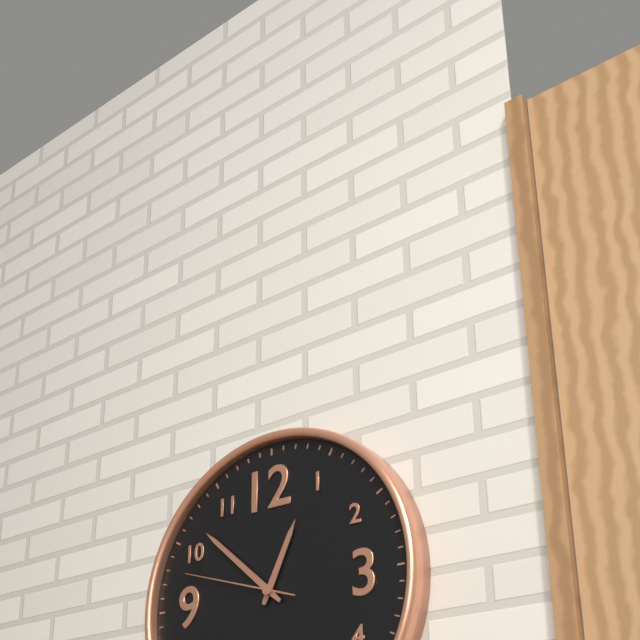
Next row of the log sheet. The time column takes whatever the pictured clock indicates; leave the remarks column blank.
12:52:48
